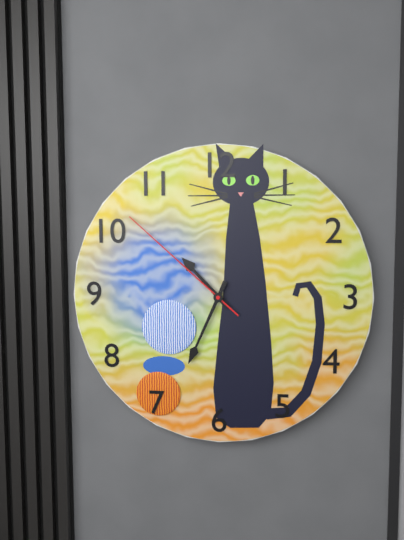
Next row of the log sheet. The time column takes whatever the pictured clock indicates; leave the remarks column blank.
10:34:52
